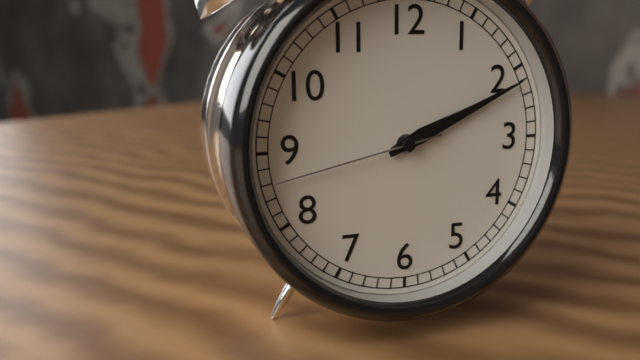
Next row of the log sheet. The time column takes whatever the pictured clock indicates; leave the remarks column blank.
2:11:43
